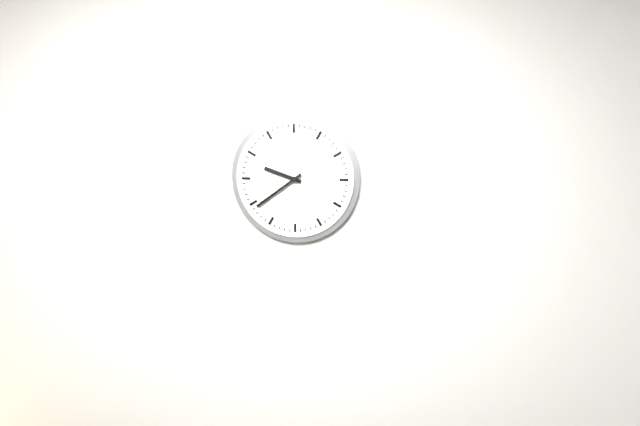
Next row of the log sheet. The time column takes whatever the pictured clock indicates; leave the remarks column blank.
9:39
